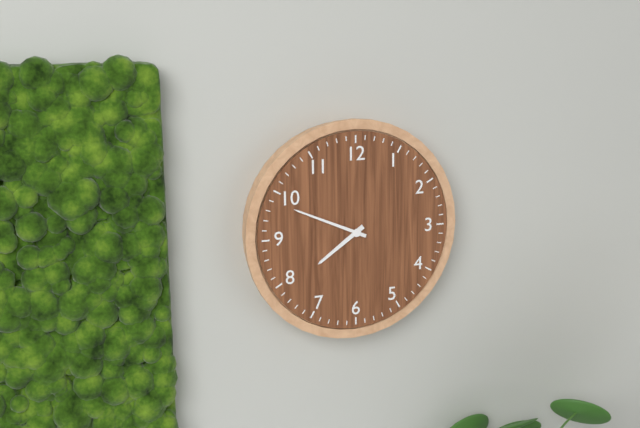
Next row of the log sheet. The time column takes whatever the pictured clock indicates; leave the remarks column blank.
7:49
